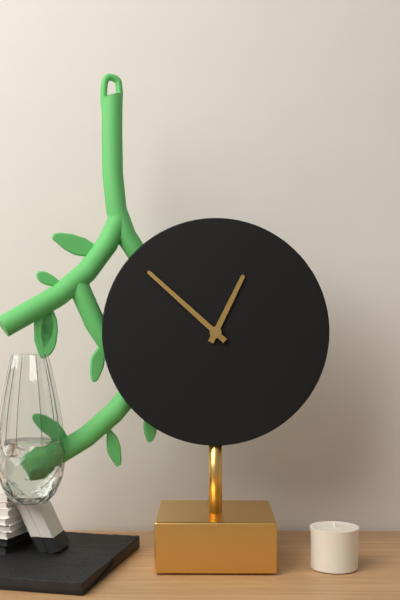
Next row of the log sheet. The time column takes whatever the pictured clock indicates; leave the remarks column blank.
12:52
